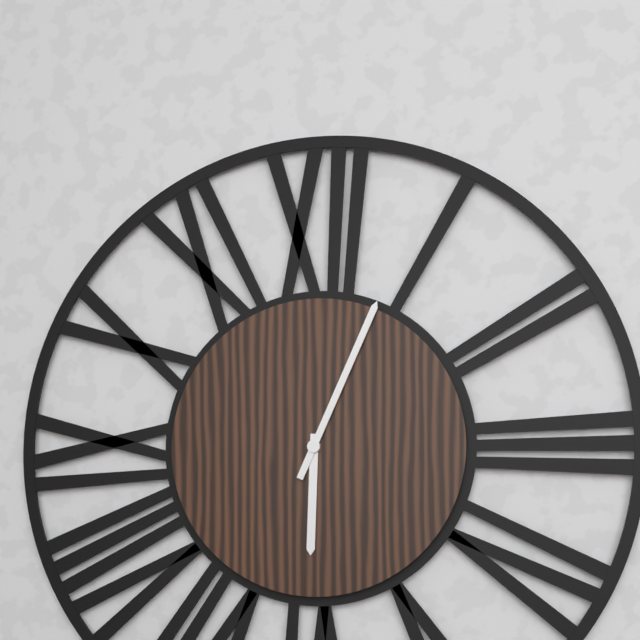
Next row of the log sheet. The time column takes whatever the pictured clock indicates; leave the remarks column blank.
6:04
